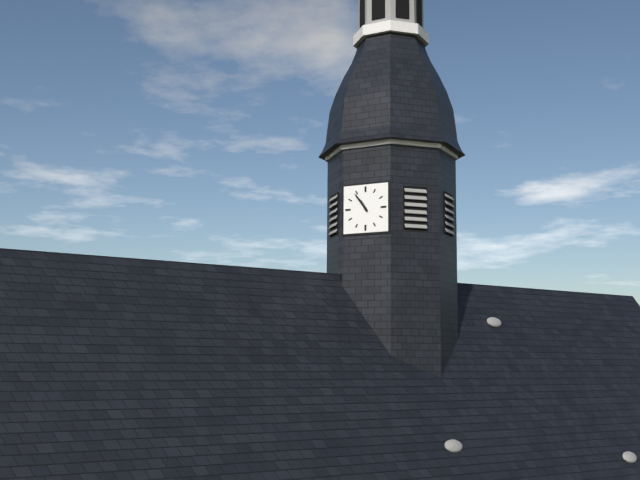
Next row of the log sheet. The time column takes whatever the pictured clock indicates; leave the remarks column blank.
10:54
